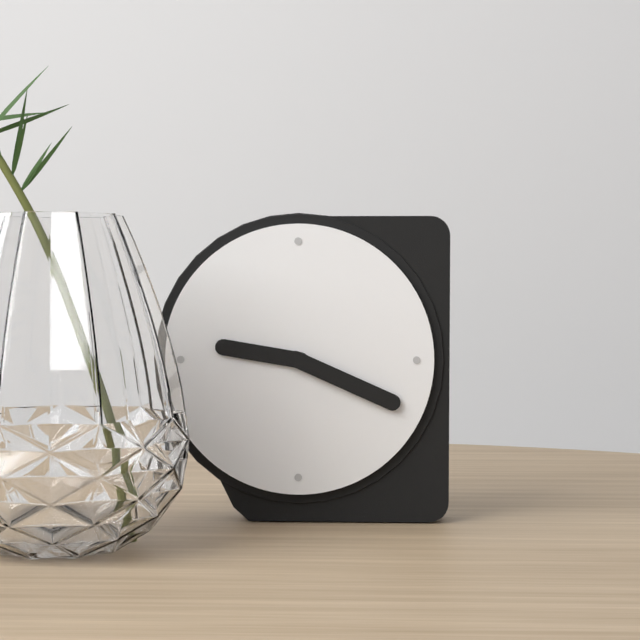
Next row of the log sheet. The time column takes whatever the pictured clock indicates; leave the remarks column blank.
9:19
